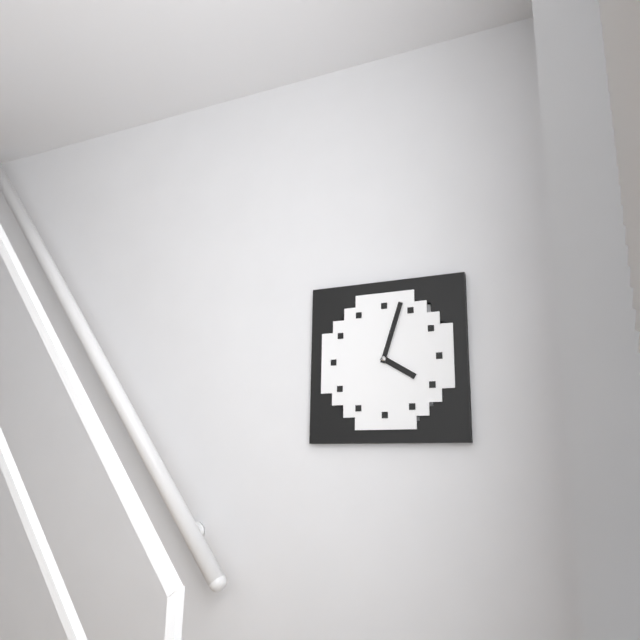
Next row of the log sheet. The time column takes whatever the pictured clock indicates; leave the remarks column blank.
4:03
